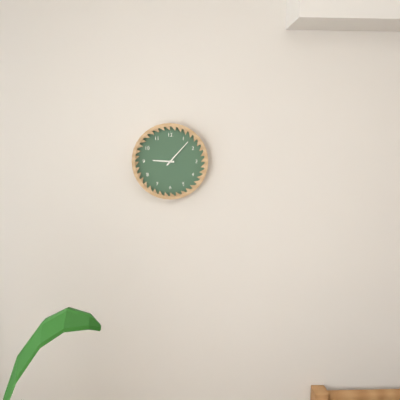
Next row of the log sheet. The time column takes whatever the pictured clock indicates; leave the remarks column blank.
9:07
